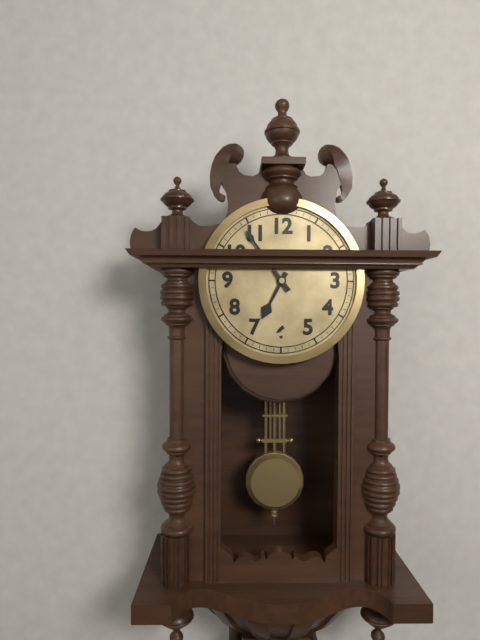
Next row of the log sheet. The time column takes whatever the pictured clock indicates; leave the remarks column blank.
6:54
